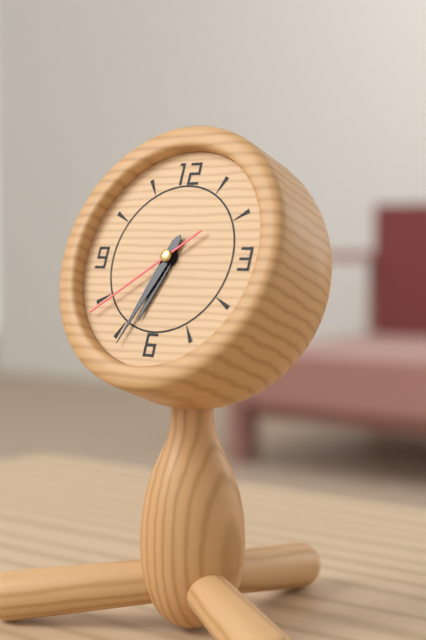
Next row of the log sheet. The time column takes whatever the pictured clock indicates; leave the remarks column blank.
6:34:39
